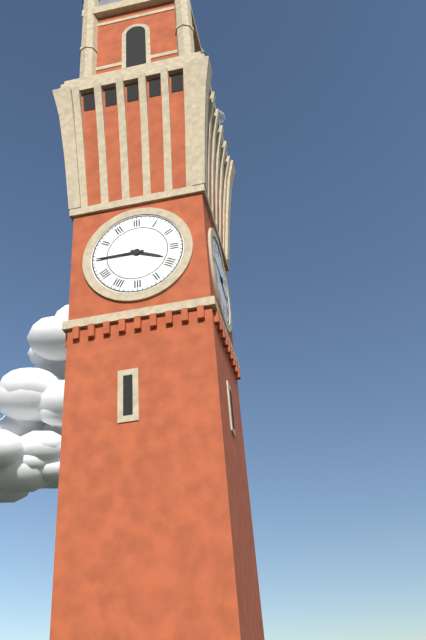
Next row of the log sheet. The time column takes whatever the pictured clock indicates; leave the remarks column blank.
3:45
